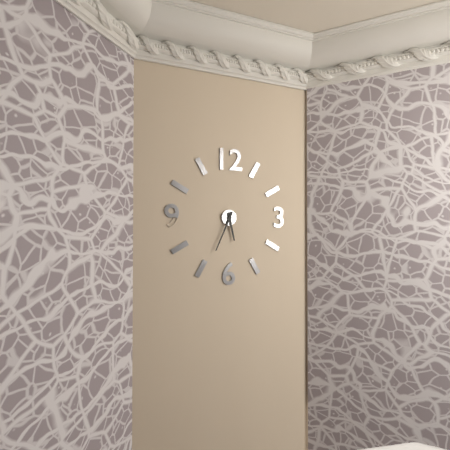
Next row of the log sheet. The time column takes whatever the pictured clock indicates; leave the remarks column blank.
5:34
